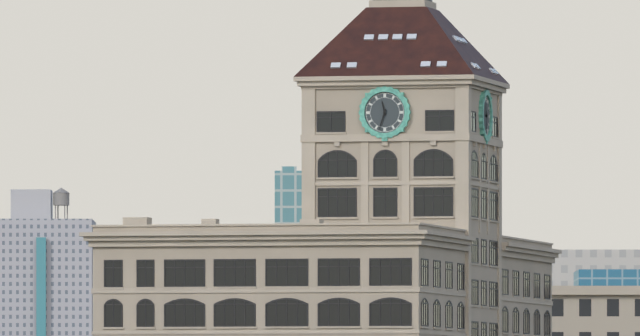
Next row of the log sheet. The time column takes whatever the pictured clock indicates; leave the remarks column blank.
11:33
